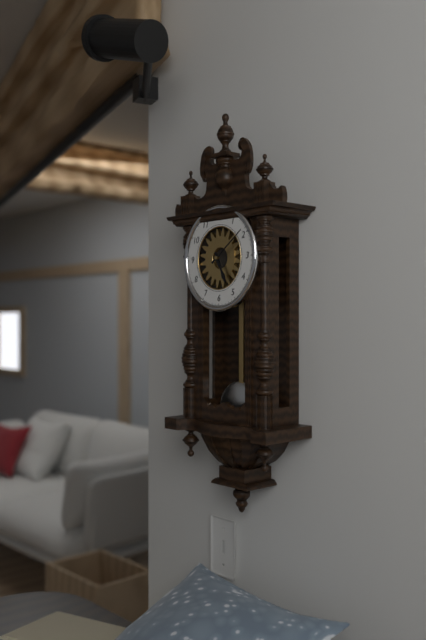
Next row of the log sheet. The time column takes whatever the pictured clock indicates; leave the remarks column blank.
5:09
